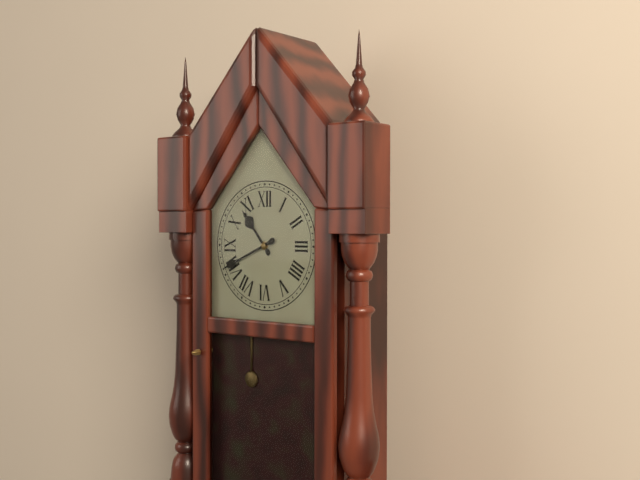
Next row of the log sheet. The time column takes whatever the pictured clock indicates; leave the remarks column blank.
10:41
